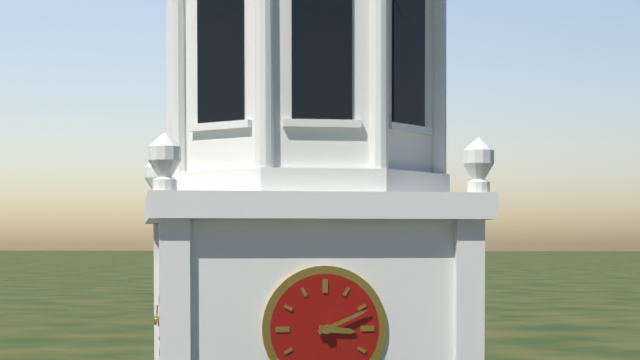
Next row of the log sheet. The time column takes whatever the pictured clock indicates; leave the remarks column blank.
3:11
